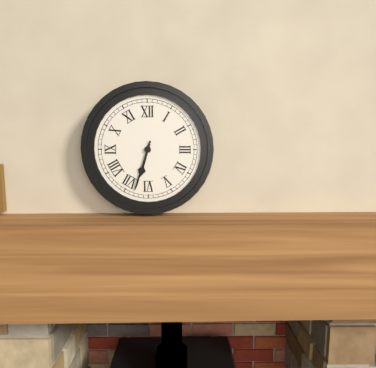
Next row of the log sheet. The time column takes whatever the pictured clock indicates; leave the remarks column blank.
6:33
